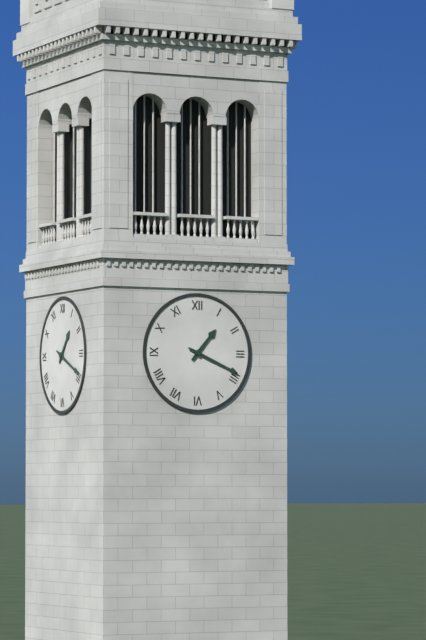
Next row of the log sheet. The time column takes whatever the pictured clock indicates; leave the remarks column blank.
1:19
